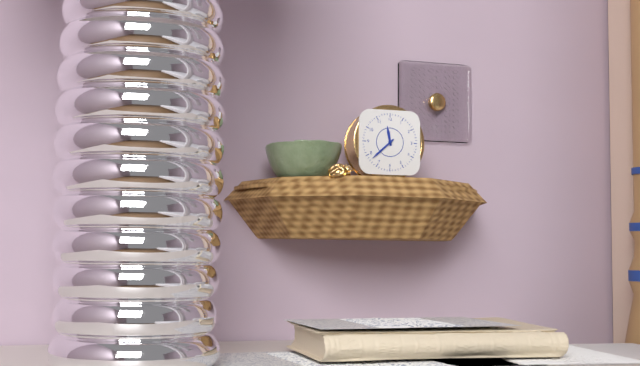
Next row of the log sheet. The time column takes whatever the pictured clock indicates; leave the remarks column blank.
11:38
